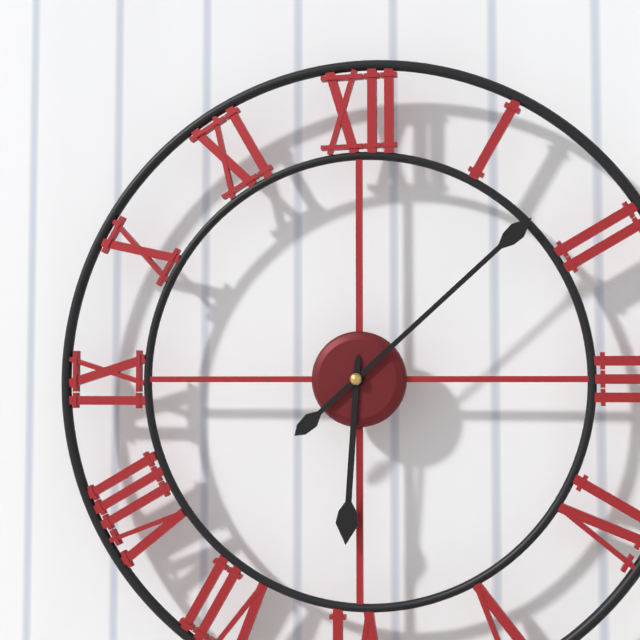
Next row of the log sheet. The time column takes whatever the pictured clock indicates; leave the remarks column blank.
6:08
